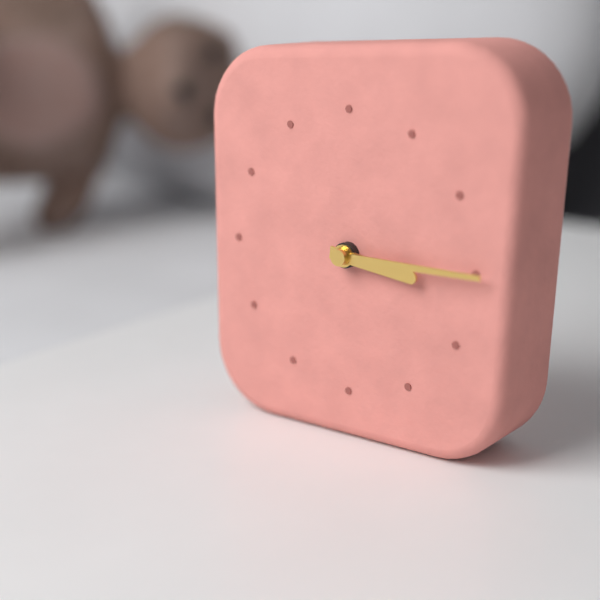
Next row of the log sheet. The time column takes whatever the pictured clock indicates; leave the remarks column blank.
3:15
